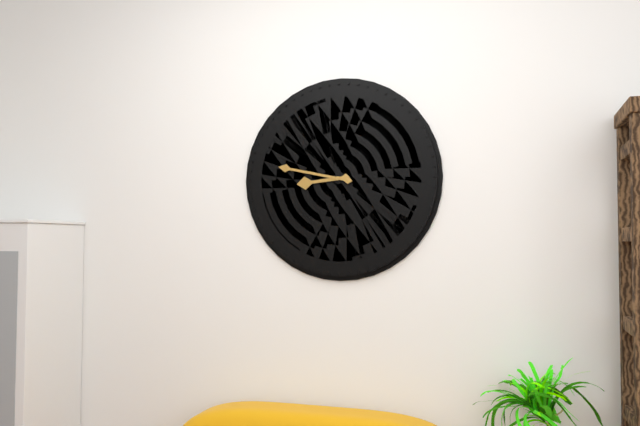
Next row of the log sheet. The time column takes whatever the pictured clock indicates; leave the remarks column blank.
8:47
